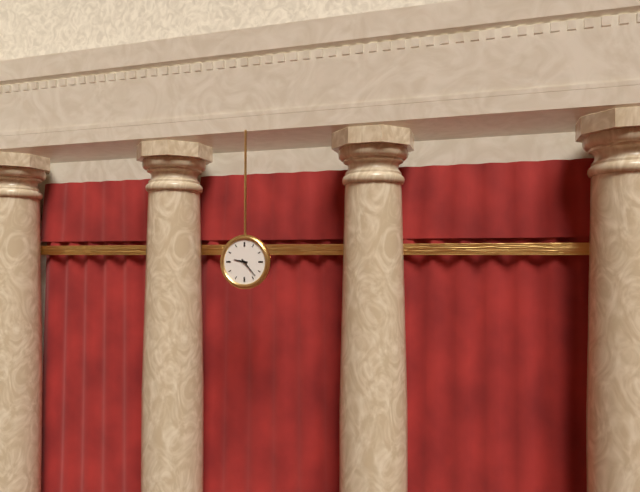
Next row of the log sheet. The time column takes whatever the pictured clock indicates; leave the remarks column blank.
9:23
